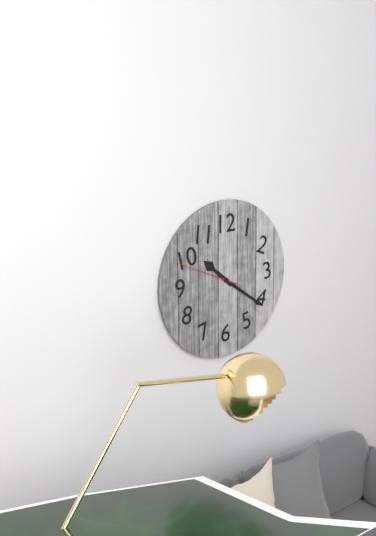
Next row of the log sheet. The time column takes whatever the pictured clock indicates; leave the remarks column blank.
10:21:49
